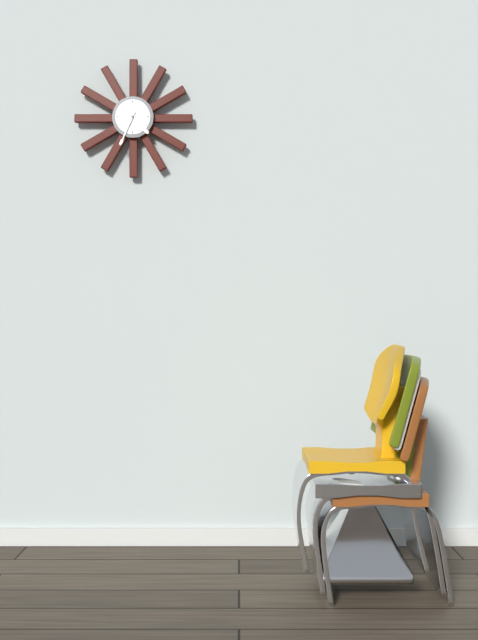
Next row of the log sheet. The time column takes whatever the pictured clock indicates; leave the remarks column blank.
4:34
